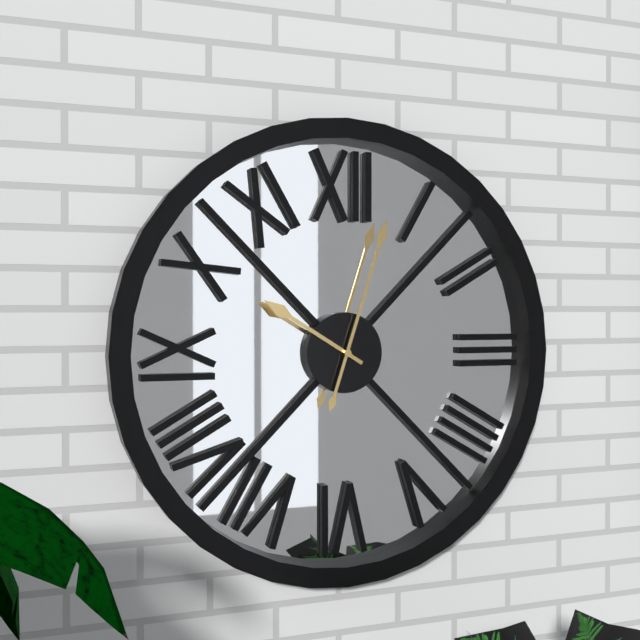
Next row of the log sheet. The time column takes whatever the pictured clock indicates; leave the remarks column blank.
10:03
